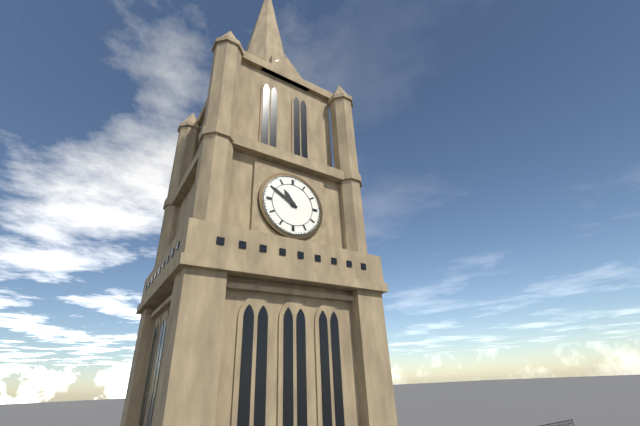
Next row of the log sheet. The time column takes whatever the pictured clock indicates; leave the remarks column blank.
10:50
